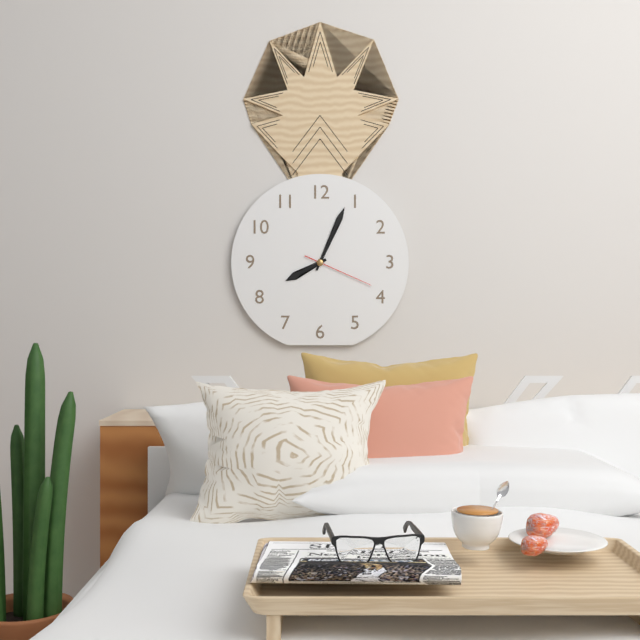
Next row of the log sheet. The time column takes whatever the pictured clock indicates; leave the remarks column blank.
8:04:19
